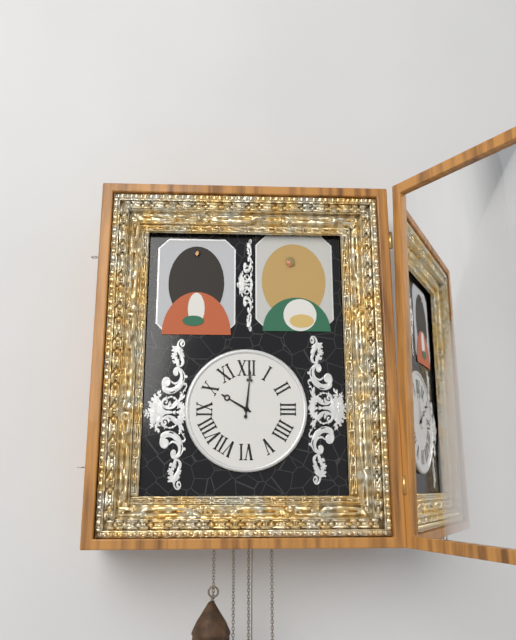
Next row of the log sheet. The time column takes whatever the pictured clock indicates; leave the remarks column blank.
10:01
